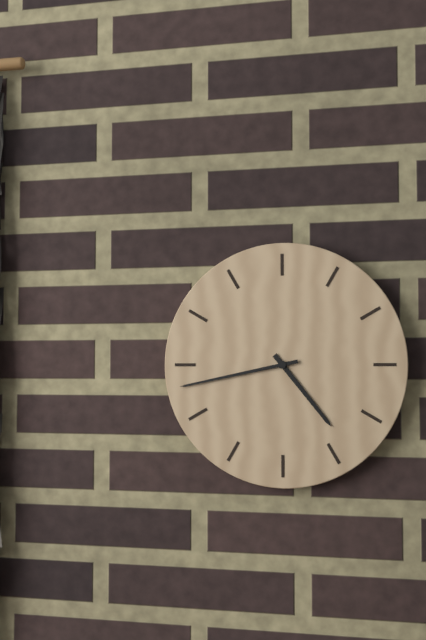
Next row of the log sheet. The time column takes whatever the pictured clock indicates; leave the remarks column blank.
4:43
